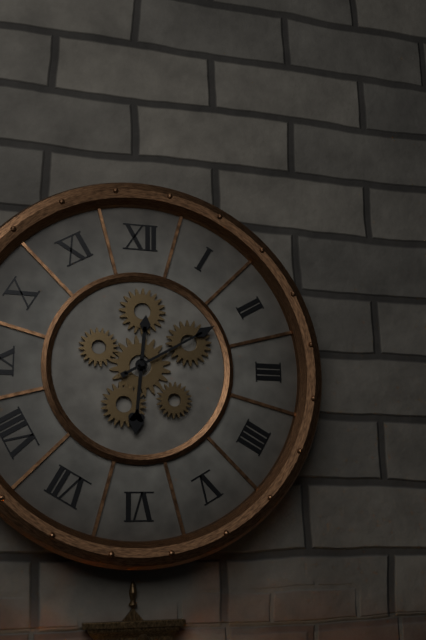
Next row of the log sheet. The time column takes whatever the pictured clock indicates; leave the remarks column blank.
6:10
